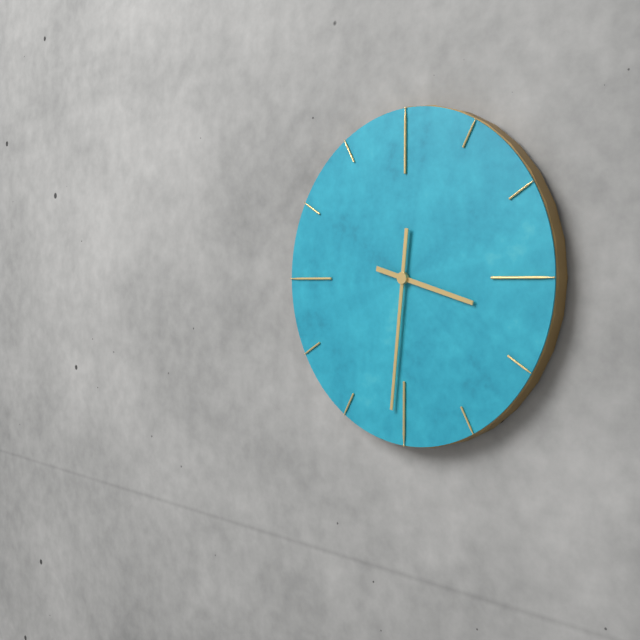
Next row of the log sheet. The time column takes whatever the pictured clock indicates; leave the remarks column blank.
3:31
